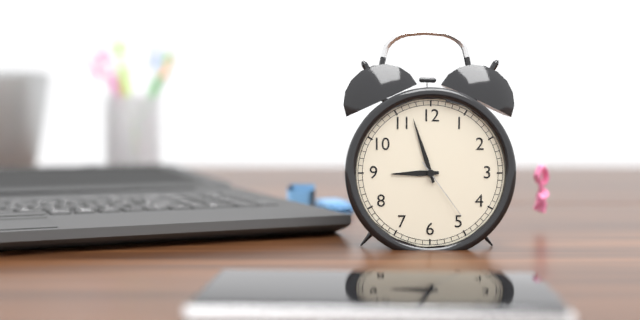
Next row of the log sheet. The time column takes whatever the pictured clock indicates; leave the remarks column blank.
8:57:24
